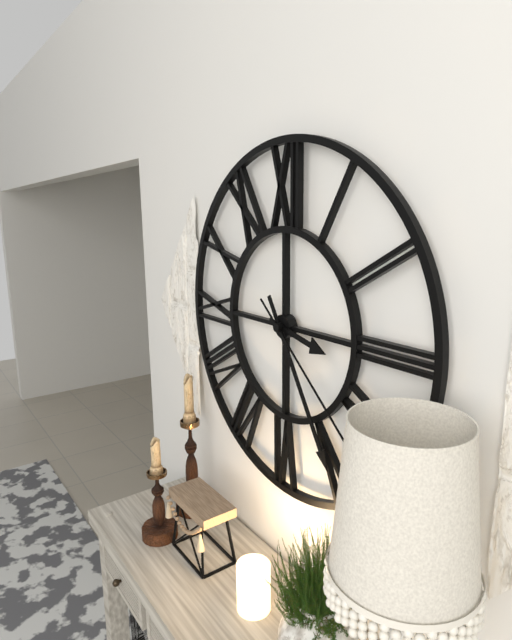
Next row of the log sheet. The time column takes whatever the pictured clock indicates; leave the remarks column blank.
3:25:22
